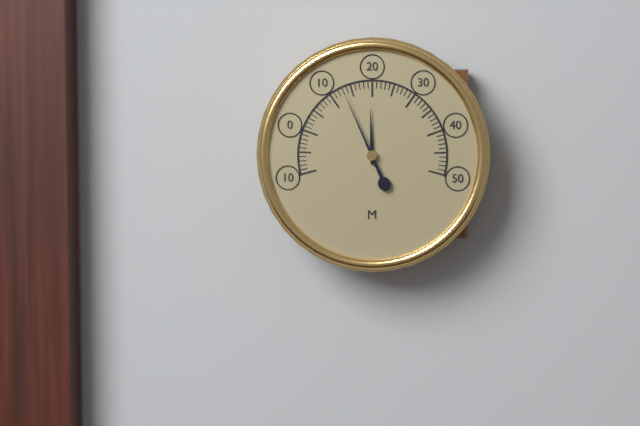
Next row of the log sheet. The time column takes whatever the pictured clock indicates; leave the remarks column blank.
11:56
